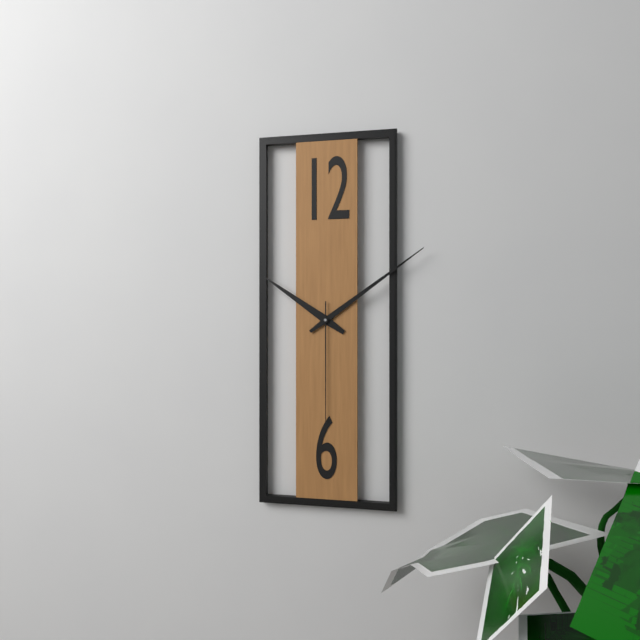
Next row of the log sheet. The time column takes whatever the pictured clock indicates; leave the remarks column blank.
10:09:30
